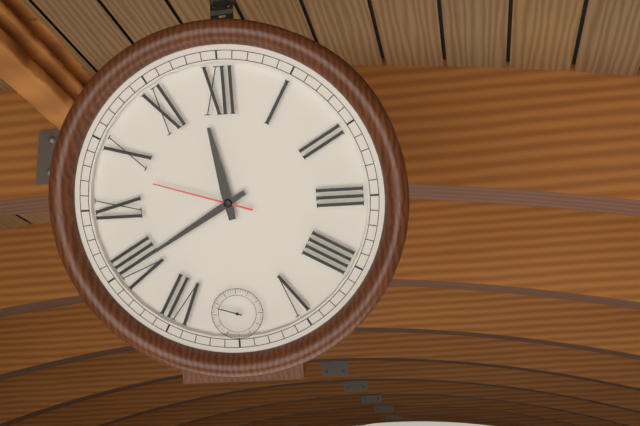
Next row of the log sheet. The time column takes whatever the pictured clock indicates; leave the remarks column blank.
11:40:48
